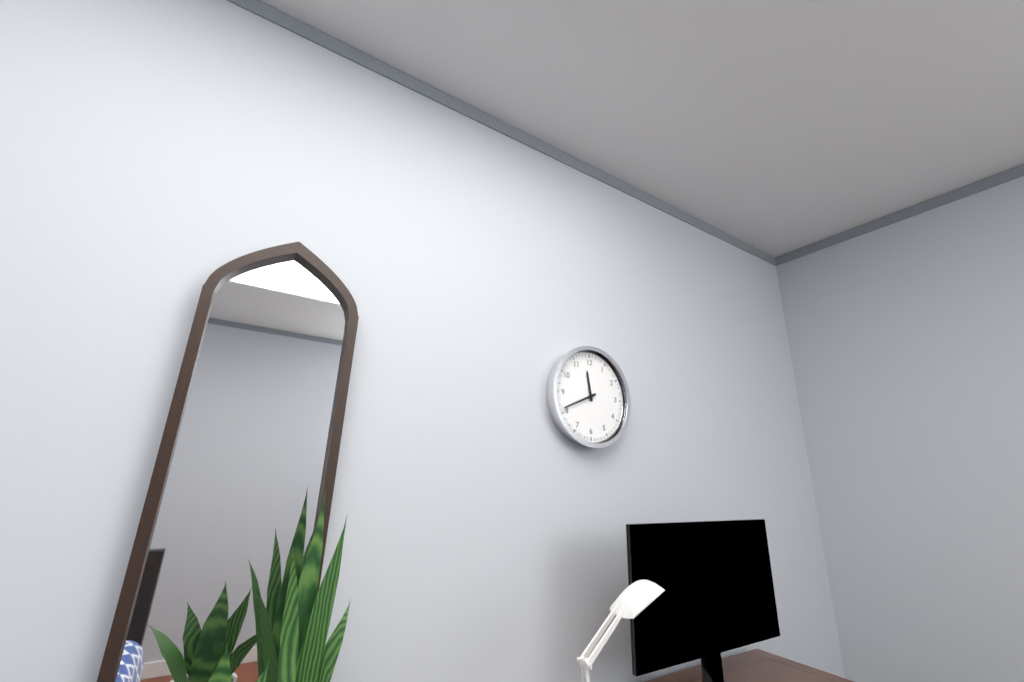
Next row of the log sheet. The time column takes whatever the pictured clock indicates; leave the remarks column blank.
11:41
